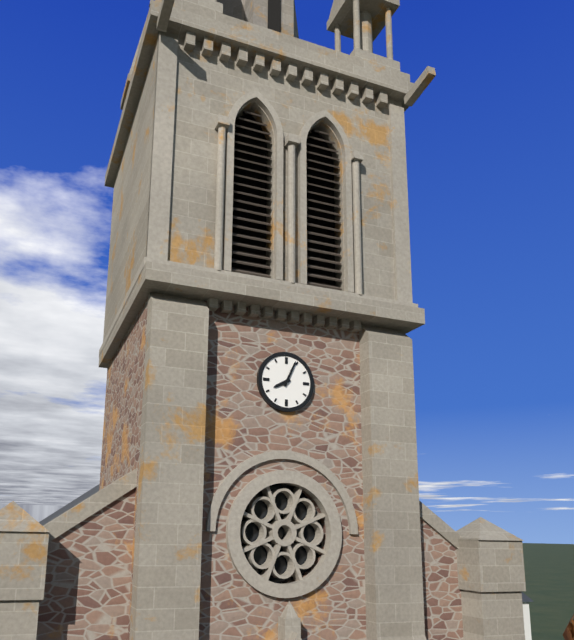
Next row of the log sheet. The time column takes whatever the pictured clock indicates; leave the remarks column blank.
8:04
